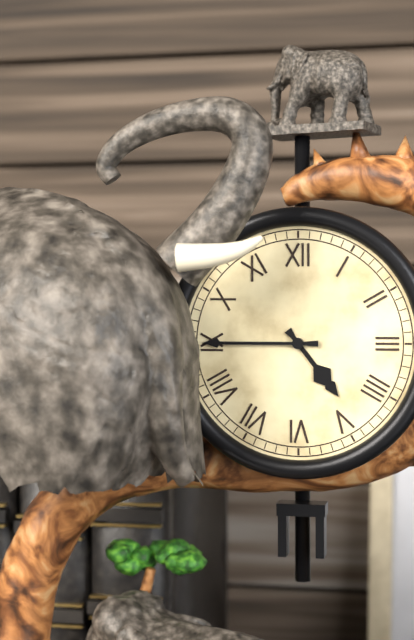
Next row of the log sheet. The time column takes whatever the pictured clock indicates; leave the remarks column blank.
4:45
